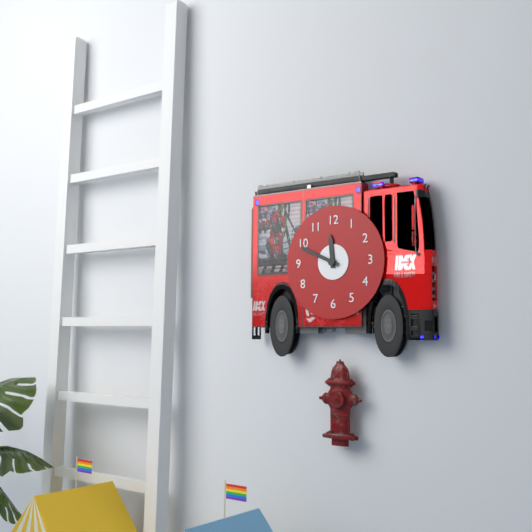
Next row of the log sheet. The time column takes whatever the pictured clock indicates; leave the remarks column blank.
11:49
